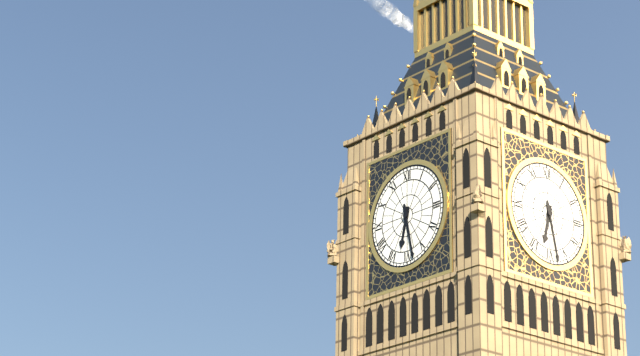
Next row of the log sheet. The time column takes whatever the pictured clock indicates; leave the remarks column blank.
6:28
